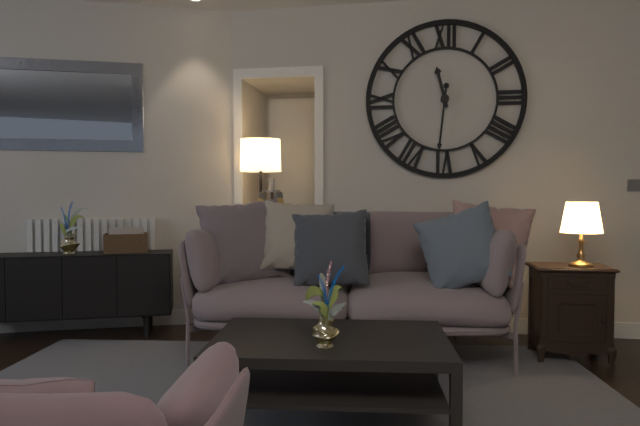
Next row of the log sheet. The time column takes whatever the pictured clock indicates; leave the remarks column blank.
11:31
